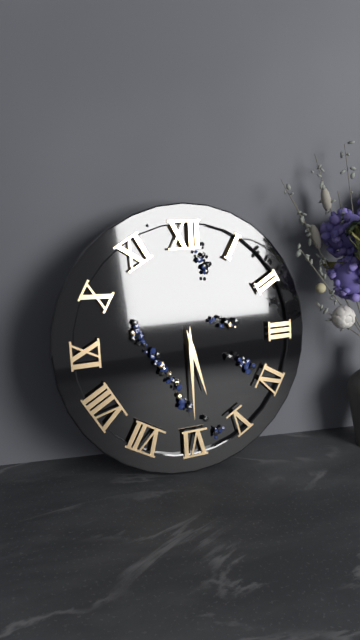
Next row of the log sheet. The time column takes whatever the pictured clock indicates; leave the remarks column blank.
5:30
